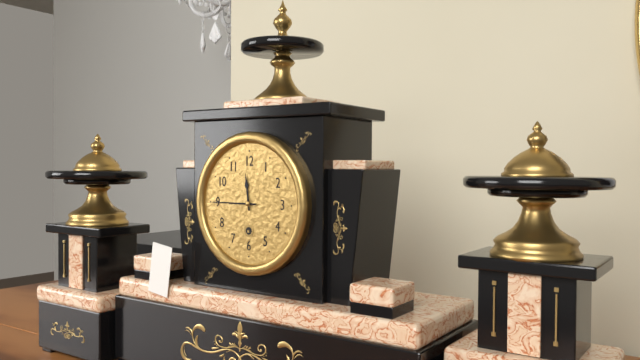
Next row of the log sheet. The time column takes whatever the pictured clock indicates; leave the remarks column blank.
11:45
